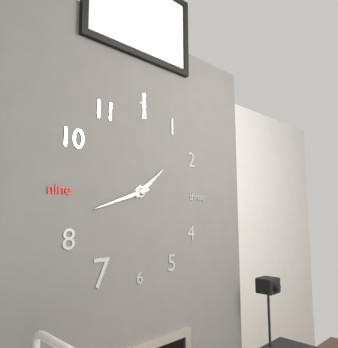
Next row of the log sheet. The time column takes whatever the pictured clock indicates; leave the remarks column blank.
1:42
